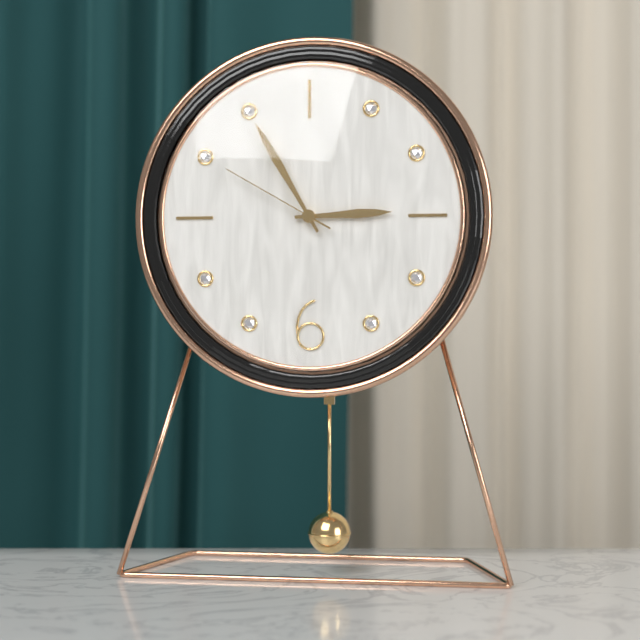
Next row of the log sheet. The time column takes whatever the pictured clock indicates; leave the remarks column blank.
2:55:50
